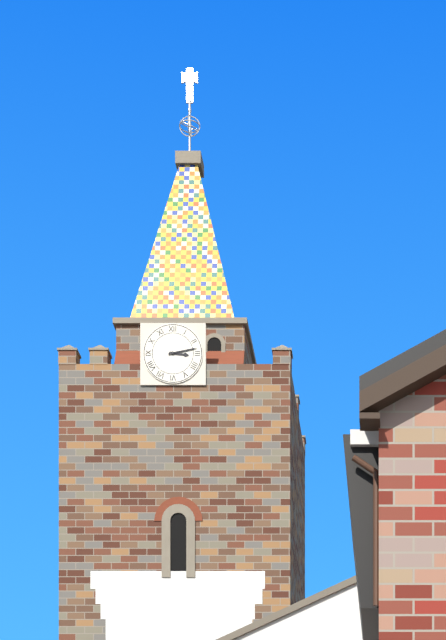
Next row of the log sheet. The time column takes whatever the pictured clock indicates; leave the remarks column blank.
3:13
